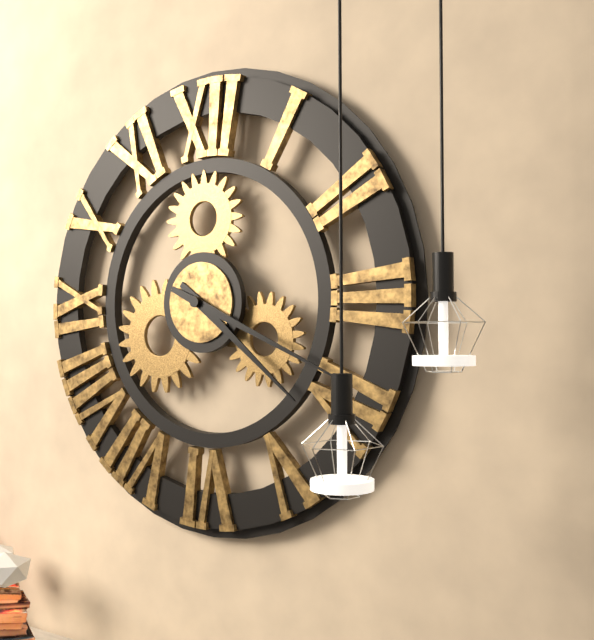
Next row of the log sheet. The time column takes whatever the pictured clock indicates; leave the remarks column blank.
4:19
